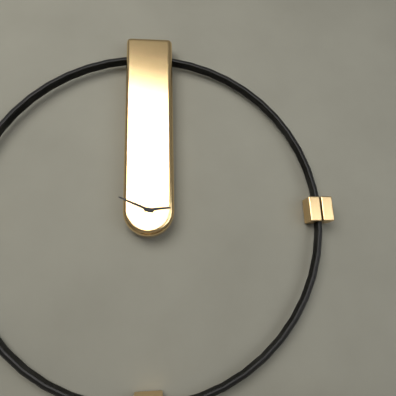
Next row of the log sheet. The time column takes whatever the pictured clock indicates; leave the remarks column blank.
2:49
